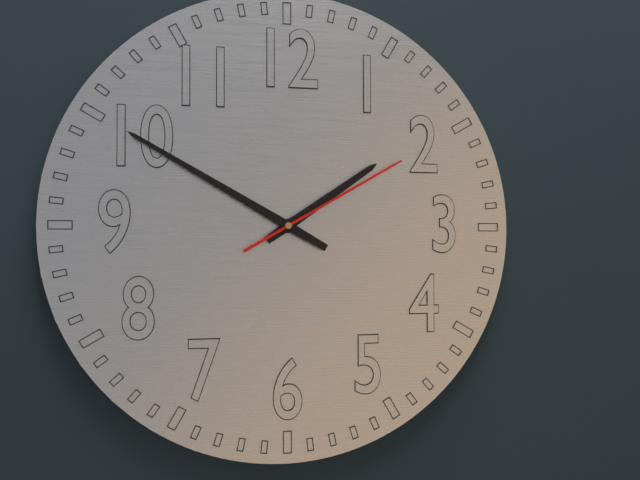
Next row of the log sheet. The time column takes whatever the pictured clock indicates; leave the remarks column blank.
1:50:10
